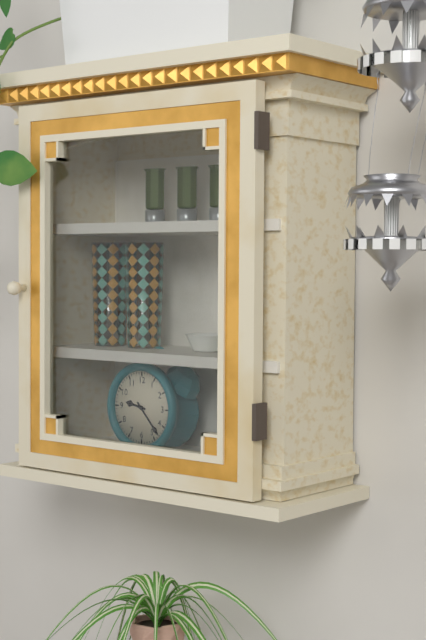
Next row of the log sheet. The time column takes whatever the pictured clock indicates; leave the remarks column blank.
9:23
